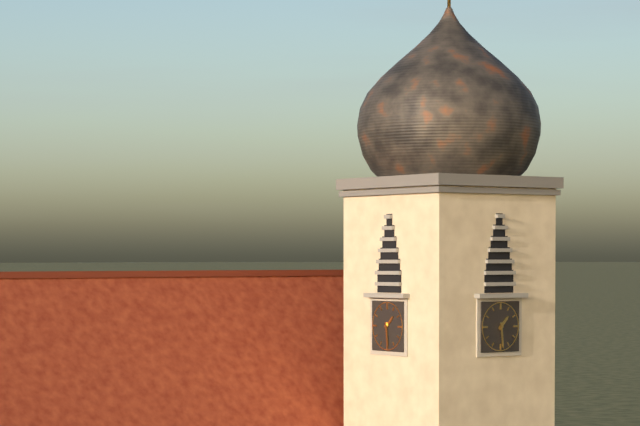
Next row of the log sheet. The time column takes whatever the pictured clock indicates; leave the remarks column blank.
1:29
